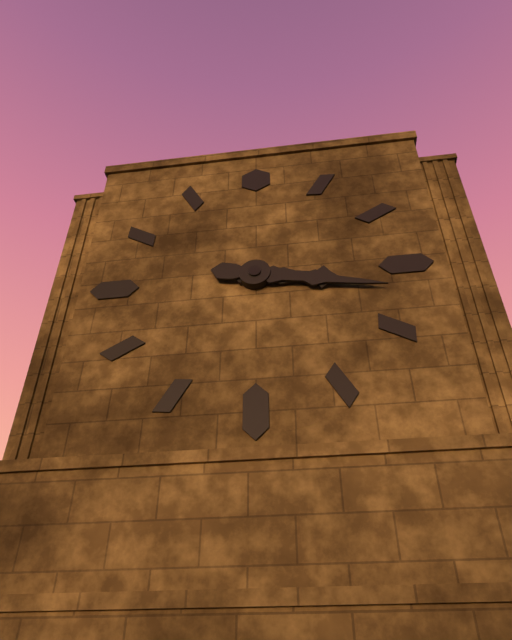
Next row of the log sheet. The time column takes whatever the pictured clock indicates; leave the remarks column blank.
3:17
